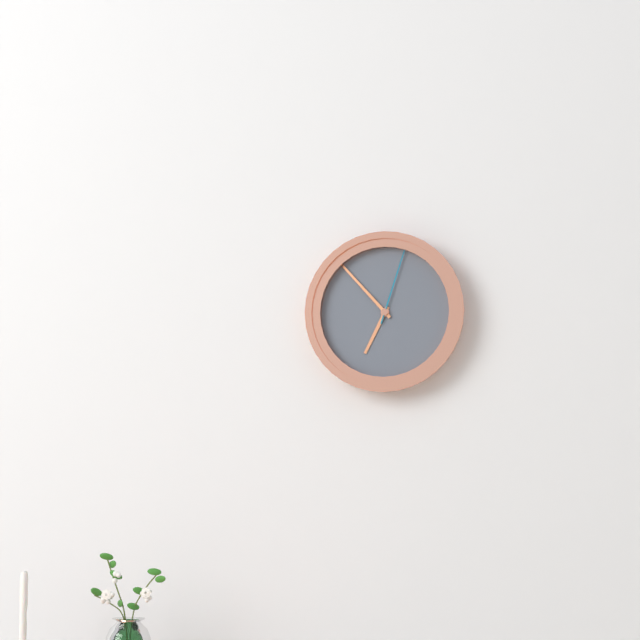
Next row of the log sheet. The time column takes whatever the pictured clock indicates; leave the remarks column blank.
6:53:03
